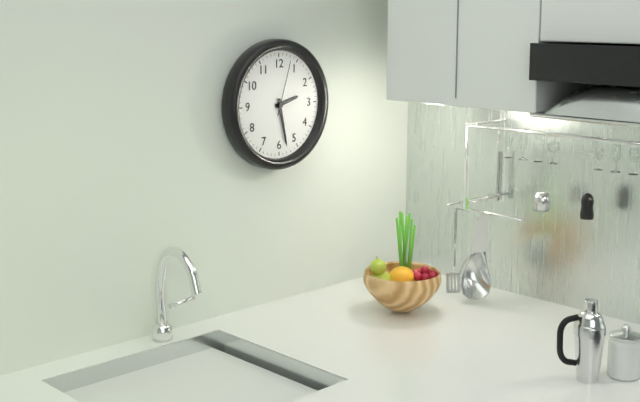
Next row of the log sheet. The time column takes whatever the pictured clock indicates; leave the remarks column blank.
2:28:03
